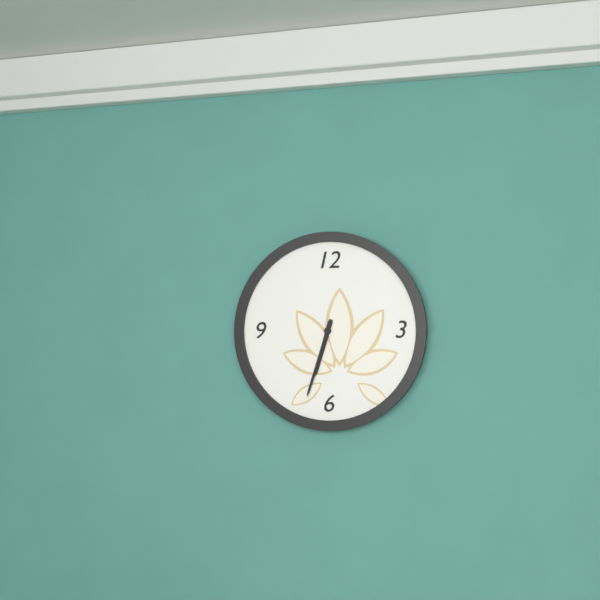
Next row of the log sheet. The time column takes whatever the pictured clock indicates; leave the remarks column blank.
6:33
